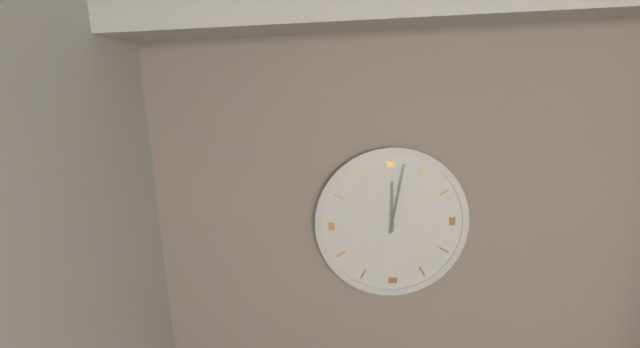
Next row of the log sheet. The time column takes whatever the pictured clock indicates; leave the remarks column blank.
12:02
